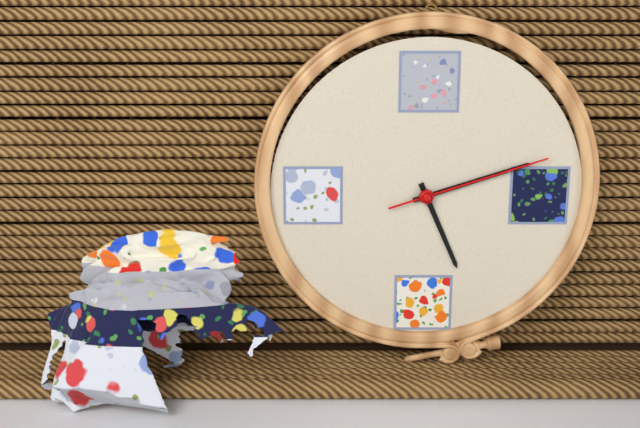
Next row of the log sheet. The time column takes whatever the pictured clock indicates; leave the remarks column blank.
5:12:12
